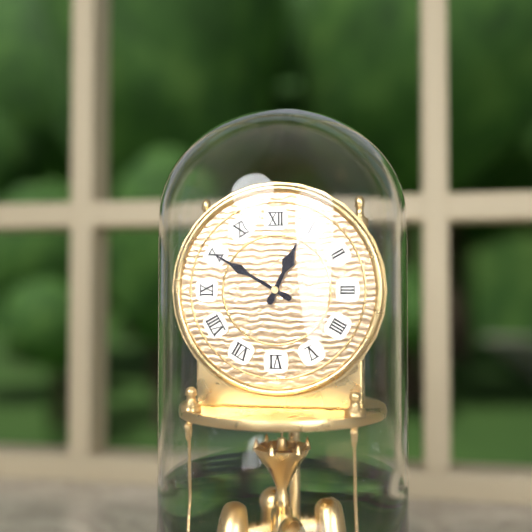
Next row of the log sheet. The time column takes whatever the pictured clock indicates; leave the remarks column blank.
12:50
